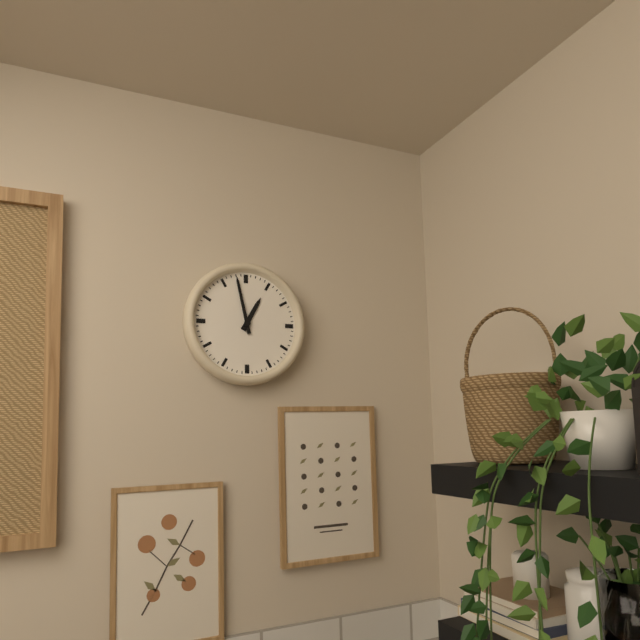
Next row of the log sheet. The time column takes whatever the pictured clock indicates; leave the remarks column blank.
12:58
